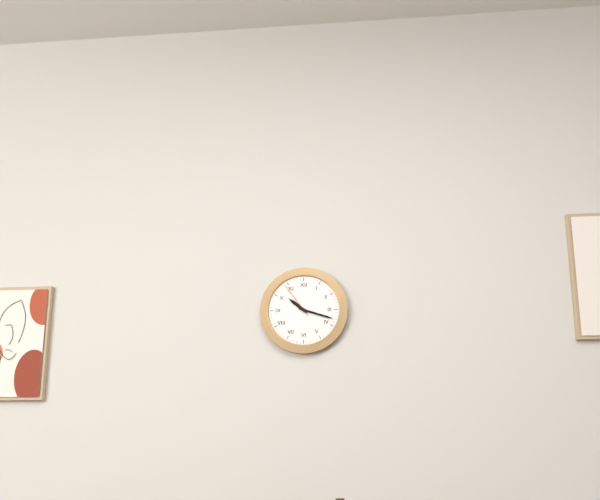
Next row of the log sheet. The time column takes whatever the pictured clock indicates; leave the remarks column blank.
10:18
